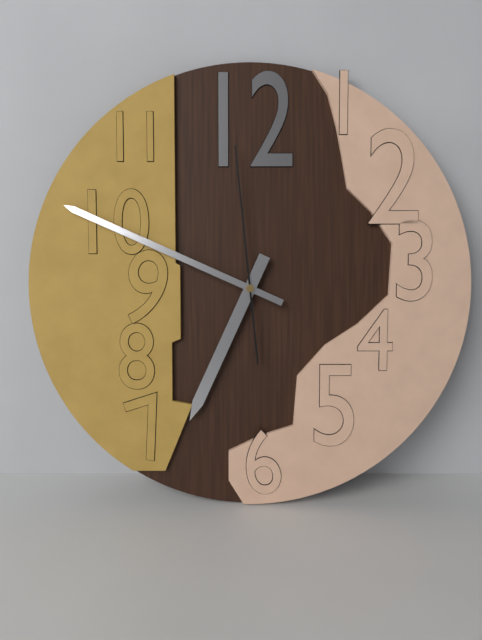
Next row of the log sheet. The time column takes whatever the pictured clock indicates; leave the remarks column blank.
6:49:59
